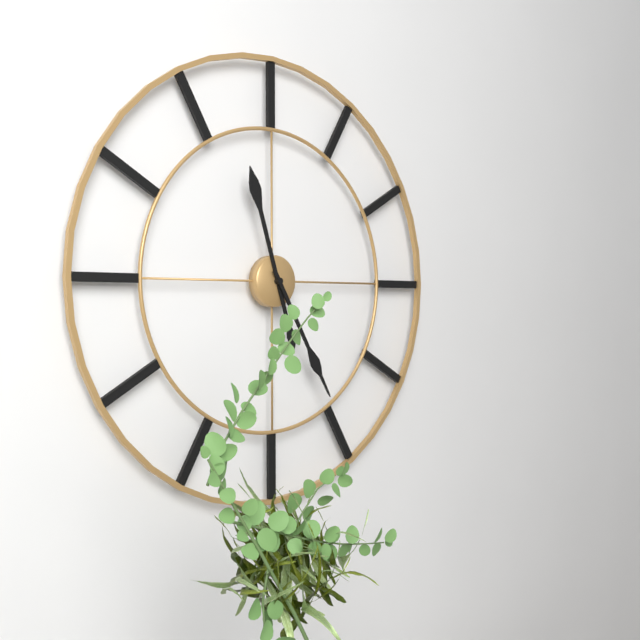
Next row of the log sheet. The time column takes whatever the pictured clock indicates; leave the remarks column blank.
11:25
